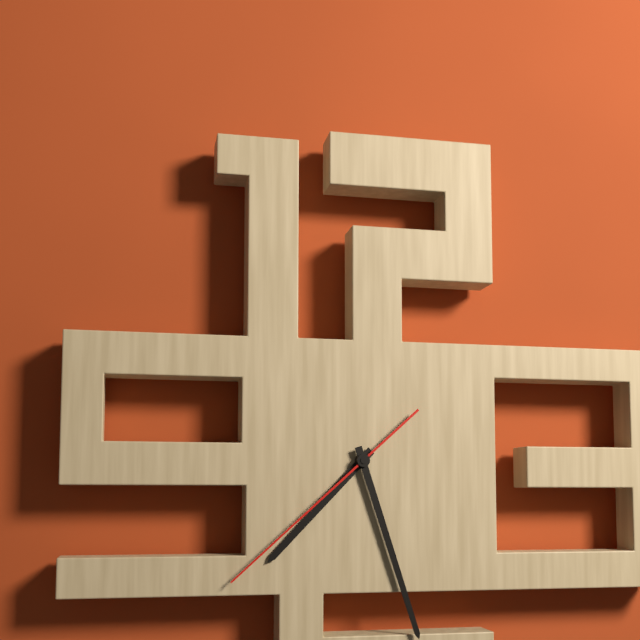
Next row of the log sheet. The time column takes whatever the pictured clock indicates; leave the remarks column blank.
7:27:38
